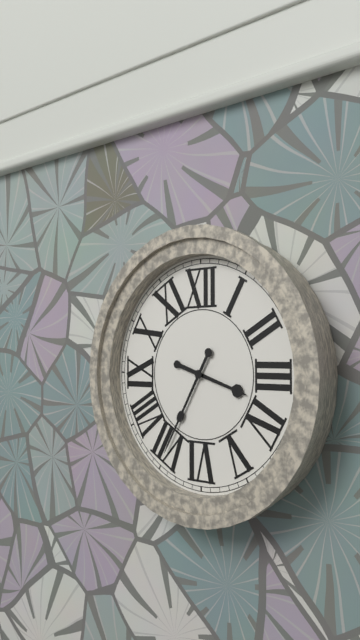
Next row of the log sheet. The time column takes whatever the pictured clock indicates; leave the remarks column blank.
3:35
